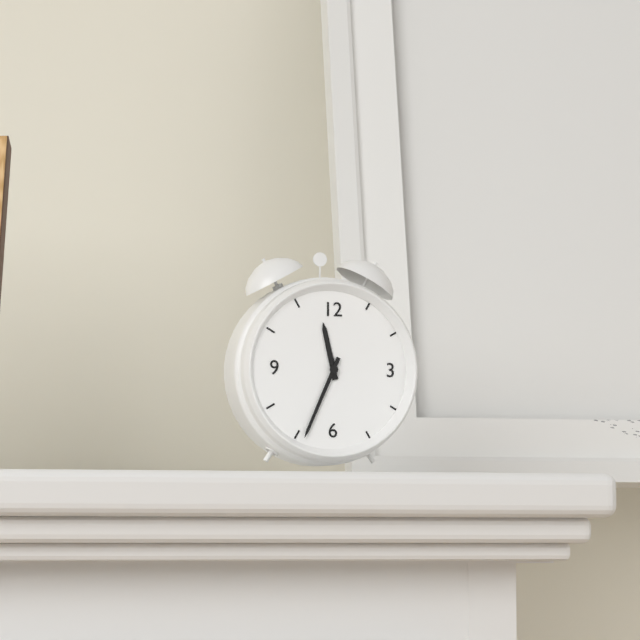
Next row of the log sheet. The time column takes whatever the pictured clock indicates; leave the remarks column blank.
11:34
